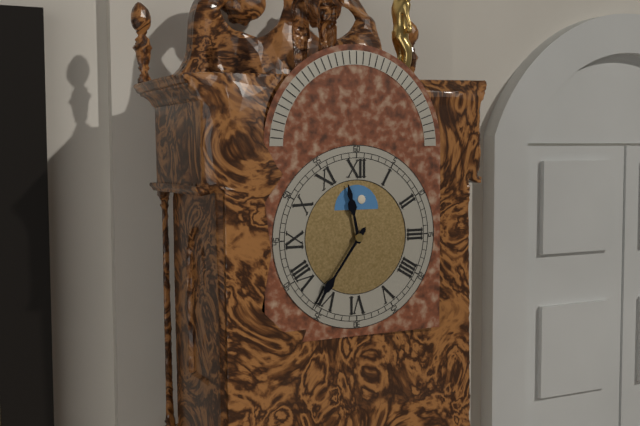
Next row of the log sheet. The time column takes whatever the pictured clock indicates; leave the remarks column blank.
11:36
